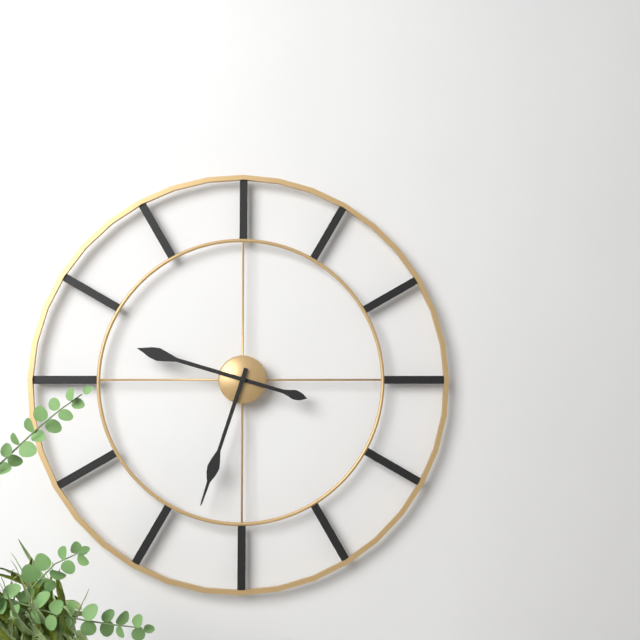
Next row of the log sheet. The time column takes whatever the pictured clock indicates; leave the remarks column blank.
9:33
